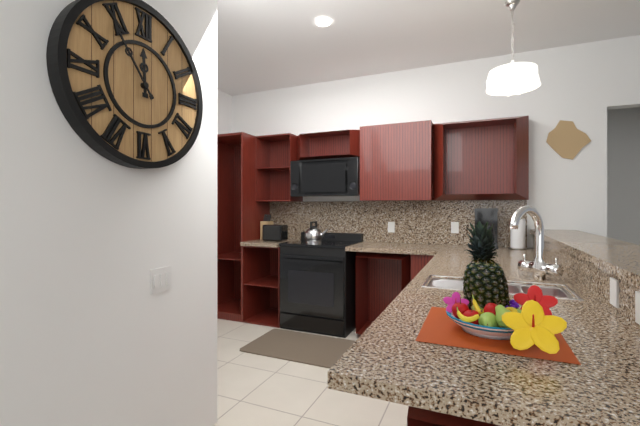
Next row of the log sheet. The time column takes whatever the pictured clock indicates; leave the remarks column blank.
11:54
